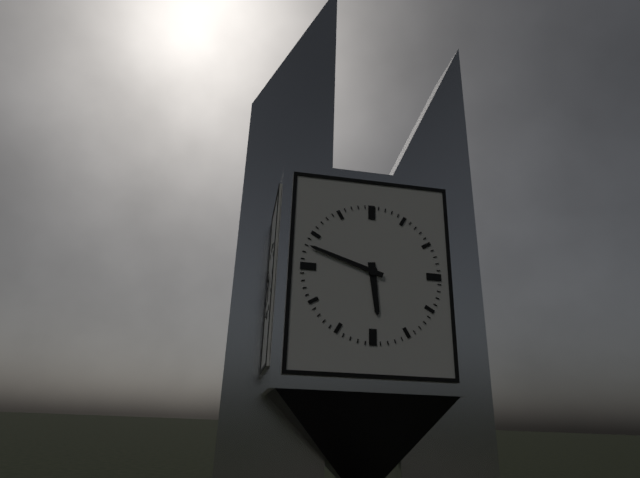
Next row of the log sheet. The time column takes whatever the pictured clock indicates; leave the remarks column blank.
5:48
